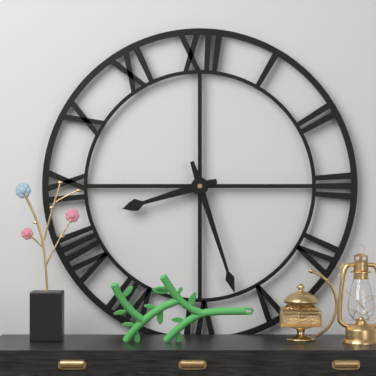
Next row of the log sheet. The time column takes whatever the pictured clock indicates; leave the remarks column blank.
8:27
